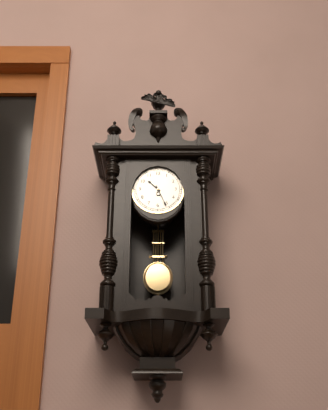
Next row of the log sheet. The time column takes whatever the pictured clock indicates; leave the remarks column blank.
10:26
